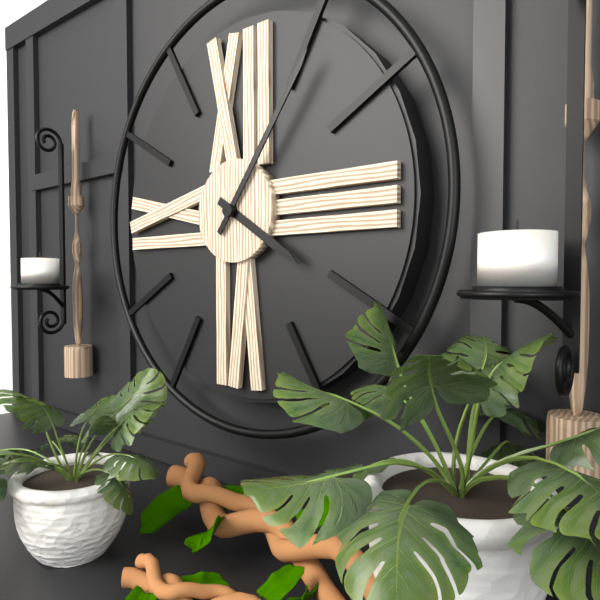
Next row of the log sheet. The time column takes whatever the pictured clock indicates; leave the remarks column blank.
4:06
